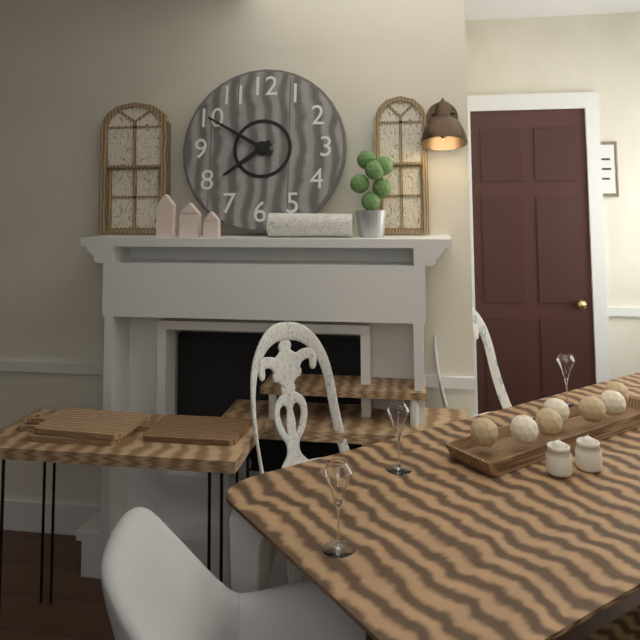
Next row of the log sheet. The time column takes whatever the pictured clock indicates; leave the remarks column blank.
7:50
